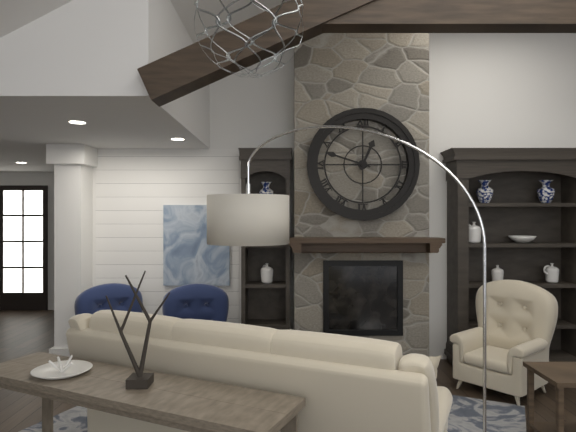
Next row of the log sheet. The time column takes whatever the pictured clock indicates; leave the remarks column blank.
12:48
